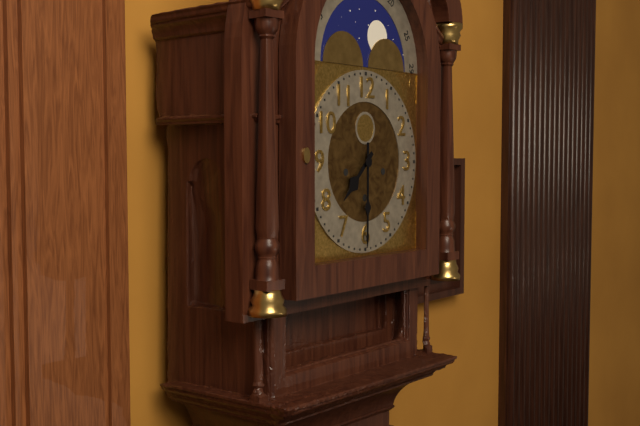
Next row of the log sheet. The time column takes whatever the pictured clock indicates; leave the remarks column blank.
7:30
